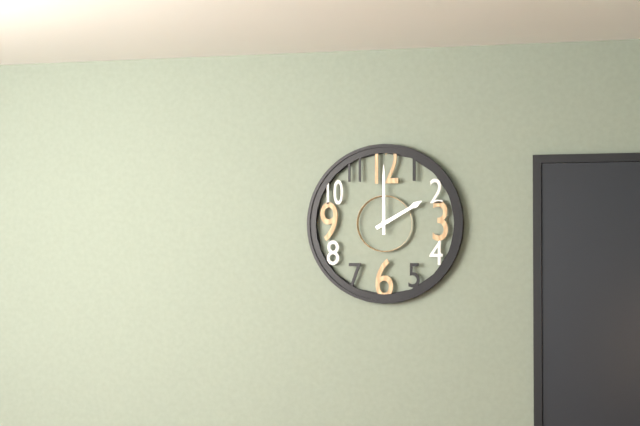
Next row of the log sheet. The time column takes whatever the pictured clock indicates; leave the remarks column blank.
2:00
